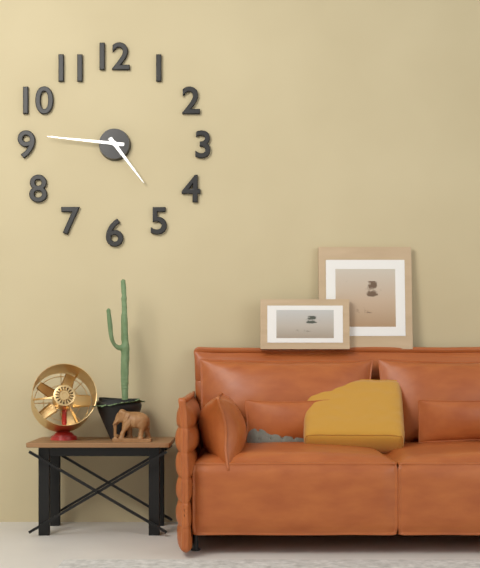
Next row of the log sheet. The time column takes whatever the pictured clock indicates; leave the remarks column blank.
4:46
